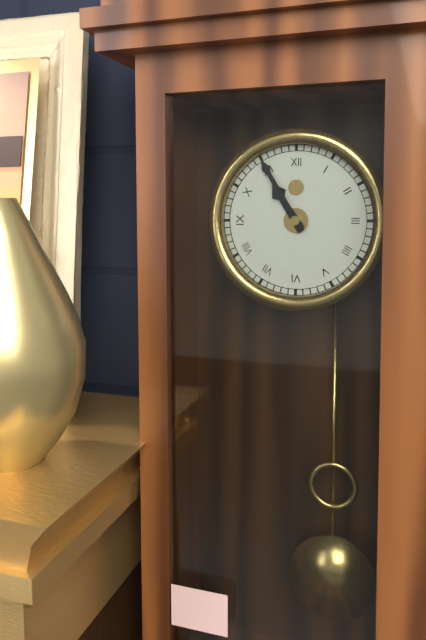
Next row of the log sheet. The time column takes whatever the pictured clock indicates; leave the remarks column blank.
10:55
